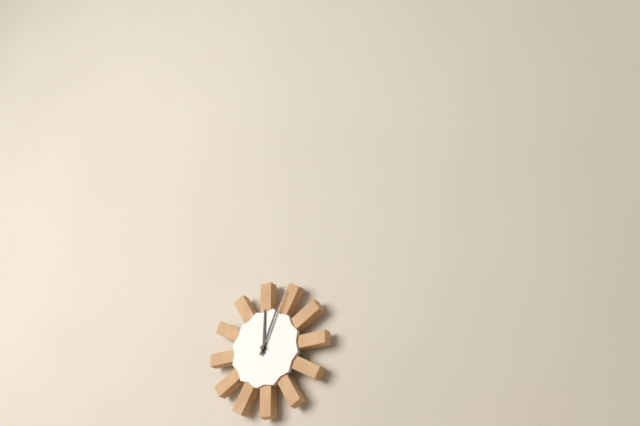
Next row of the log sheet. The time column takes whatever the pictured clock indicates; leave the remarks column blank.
12:04
